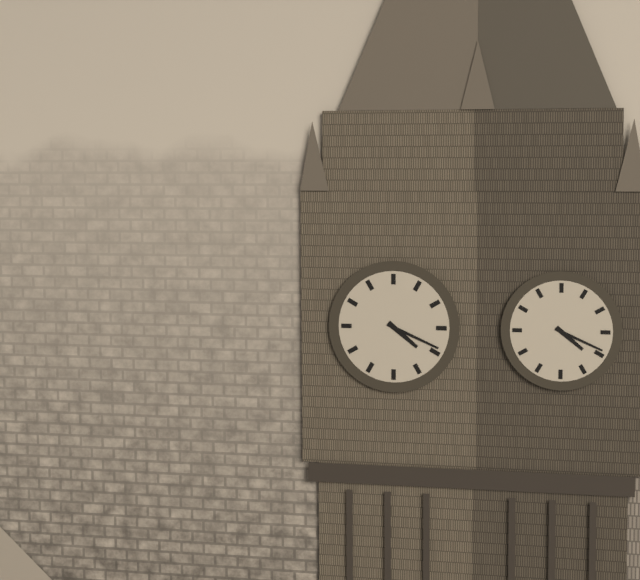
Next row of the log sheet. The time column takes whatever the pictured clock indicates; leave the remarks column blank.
4:19
